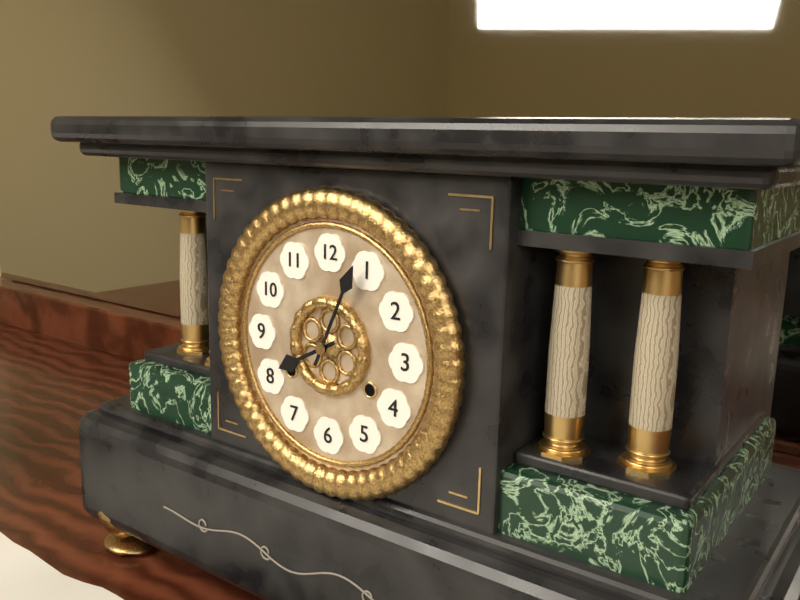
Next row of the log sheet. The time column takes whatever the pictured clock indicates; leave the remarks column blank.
8:04
